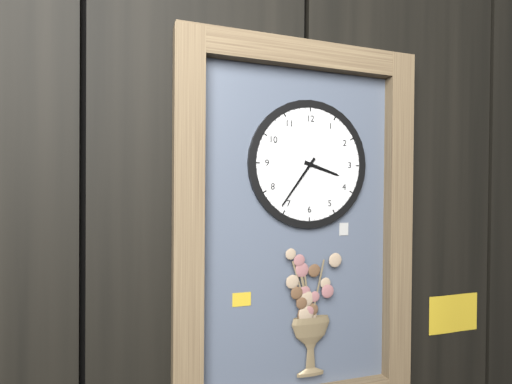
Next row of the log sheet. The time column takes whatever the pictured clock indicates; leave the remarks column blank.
3:36
